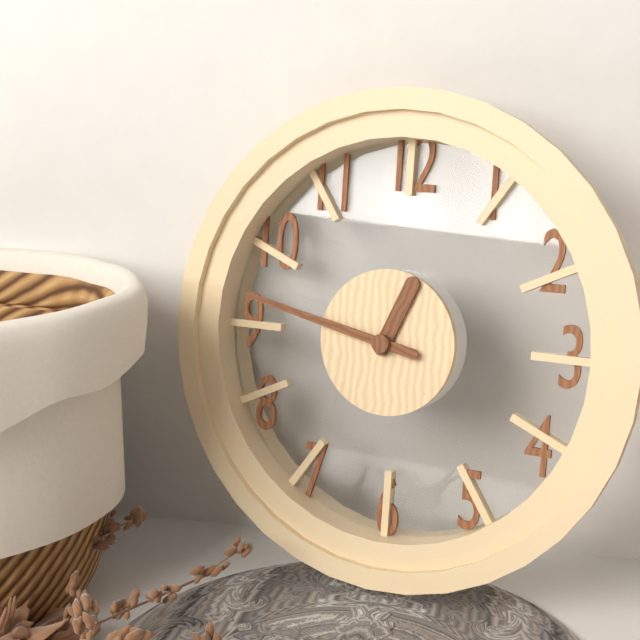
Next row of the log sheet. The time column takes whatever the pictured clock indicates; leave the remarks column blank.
12:47
